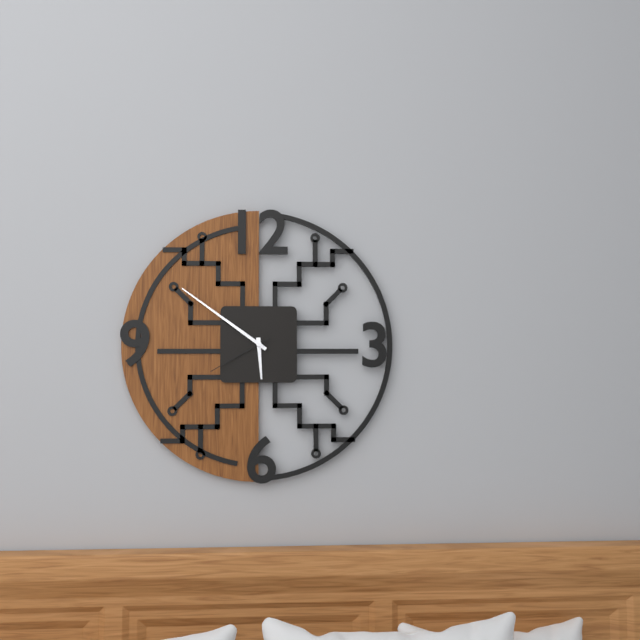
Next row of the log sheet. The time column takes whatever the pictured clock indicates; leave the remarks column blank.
5:51:40
